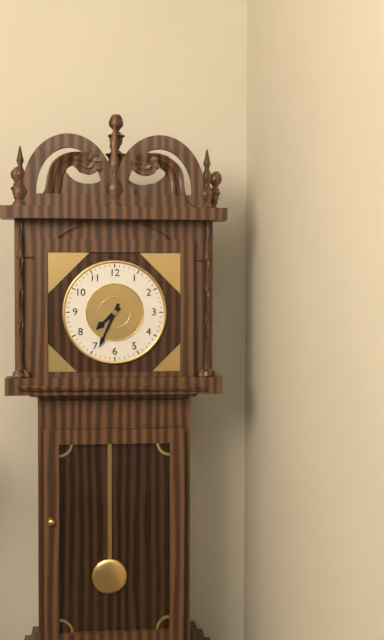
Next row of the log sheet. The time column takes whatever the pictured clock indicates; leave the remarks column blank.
7:34
